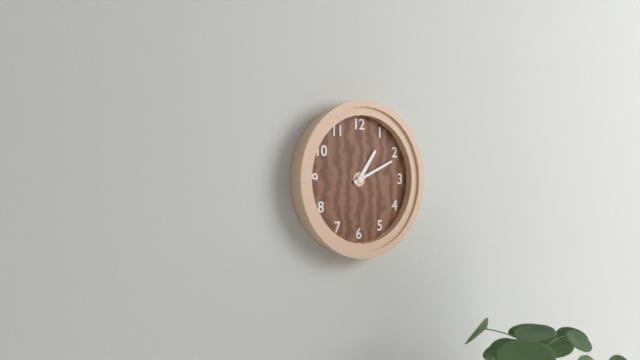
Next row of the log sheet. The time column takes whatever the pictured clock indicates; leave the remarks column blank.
1:11
